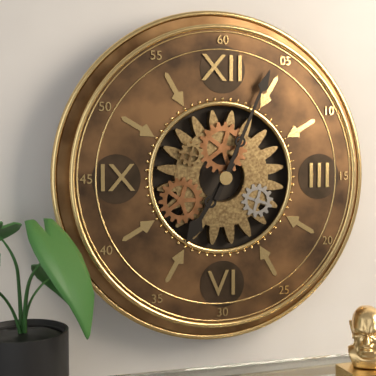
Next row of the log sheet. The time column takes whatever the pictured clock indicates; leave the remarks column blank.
7:04
